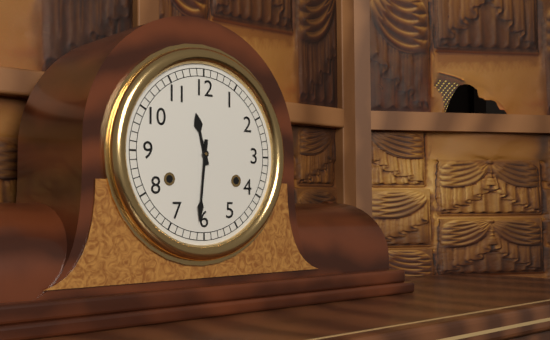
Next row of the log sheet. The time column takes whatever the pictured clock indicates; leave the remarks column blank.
11:31
